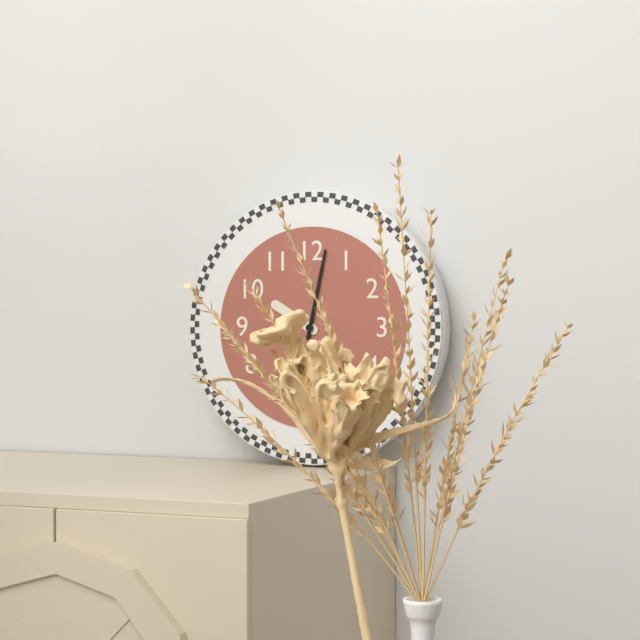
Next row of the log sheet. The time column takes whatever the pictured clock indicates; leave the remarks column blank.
10:02
